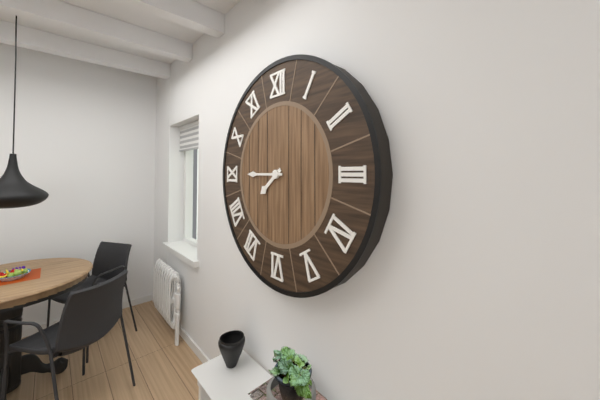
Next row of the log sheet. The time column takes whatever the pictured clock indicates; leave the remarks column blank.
7:45
